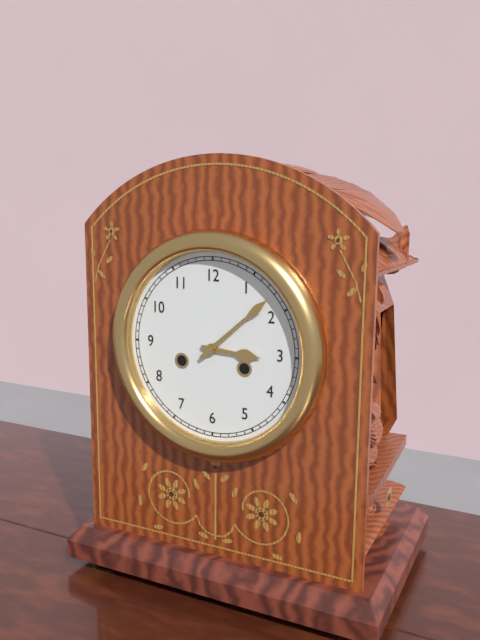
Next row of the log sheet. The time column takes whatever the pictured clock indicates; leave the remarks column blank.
3:08
